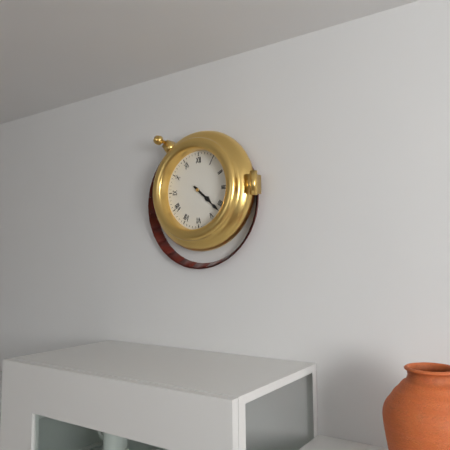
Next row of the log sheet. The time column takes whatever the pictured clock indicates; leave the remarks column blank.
4:22
